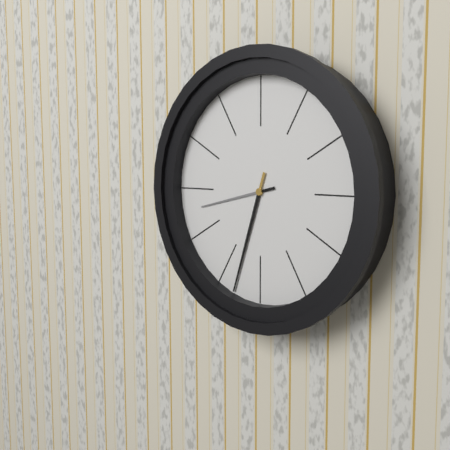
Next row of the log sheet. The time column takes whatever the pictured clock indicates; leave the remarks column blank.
8:33
